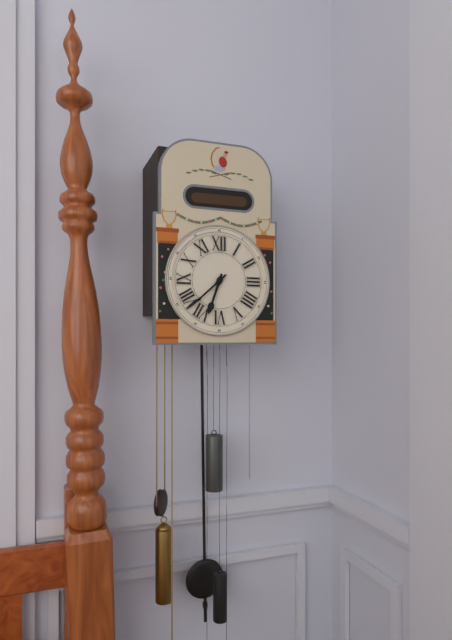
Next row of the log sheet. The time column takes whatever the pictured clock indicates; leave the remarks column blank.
6:38
